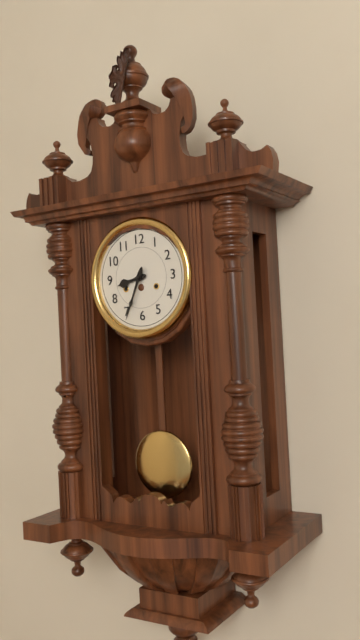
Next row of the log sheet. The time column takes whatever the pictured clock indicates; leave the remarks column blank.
8:34
